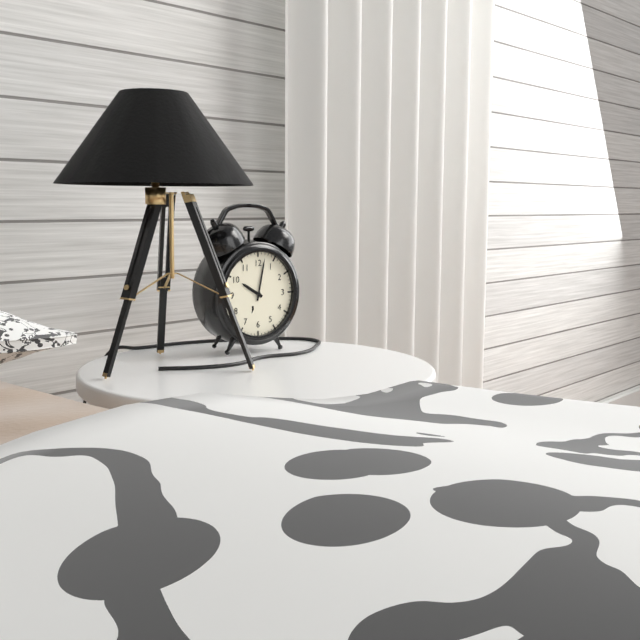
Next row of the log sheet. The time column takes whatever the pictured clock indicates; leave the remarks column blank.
10:02
